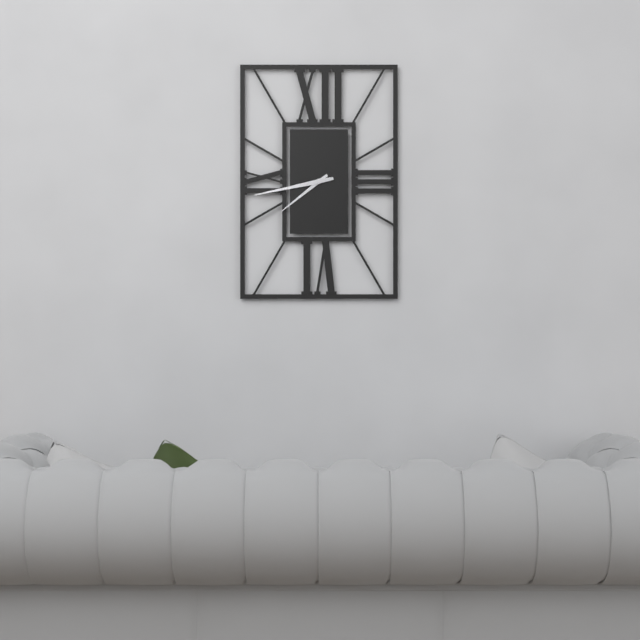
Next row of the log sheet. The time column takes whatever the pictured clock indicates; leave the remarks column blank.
7:43
